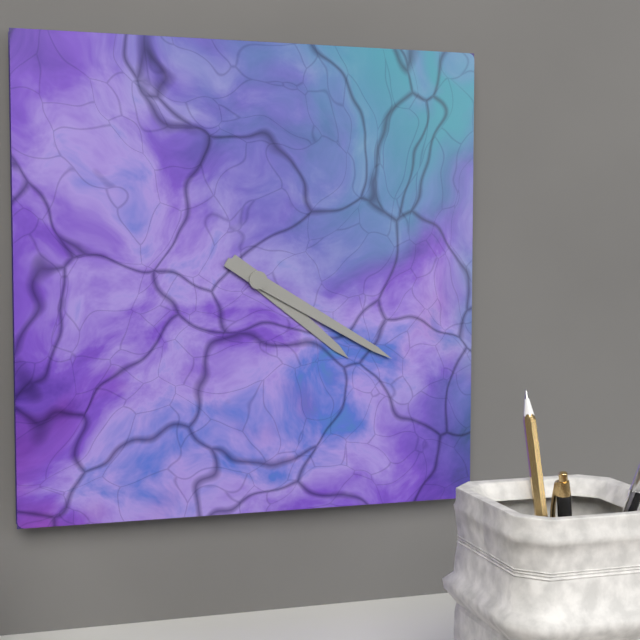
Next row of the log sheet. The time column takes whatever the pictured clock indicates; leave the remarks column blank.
4:20
